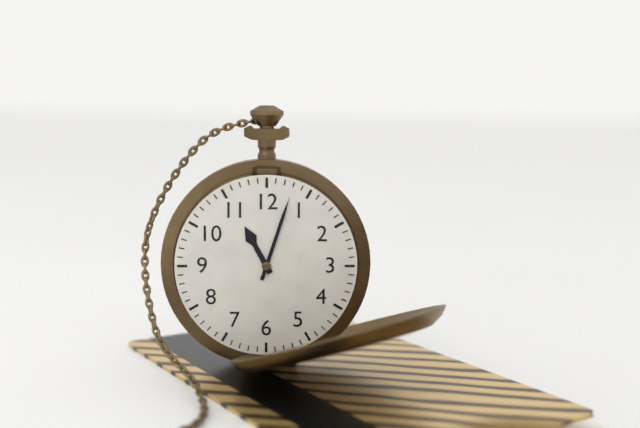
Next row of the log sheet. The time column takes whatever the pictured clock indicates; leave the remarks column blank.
11:03
